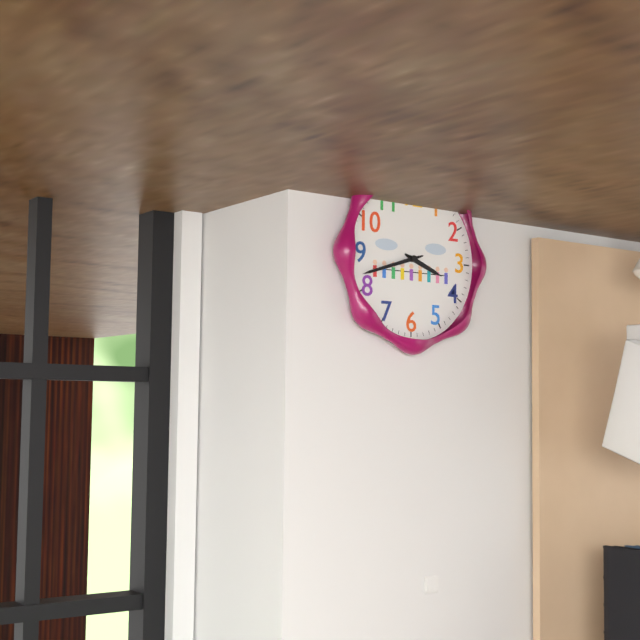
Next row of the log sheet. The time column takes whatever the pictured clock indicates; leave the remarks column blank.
3:42
